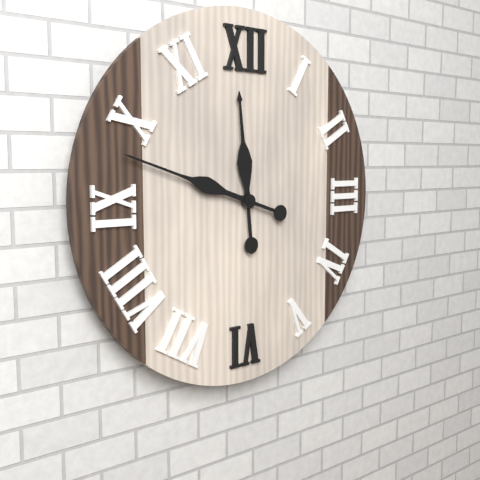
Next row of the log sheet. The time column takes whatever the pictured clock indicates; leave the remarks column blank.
11:48
